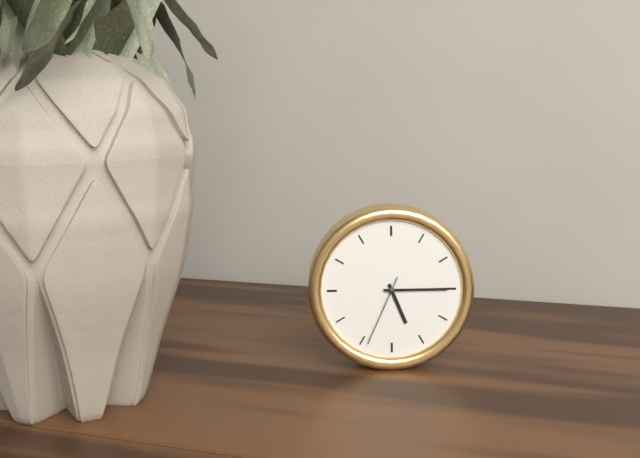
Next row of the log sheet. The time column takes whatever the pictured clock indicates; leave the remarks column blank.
5:15:34
